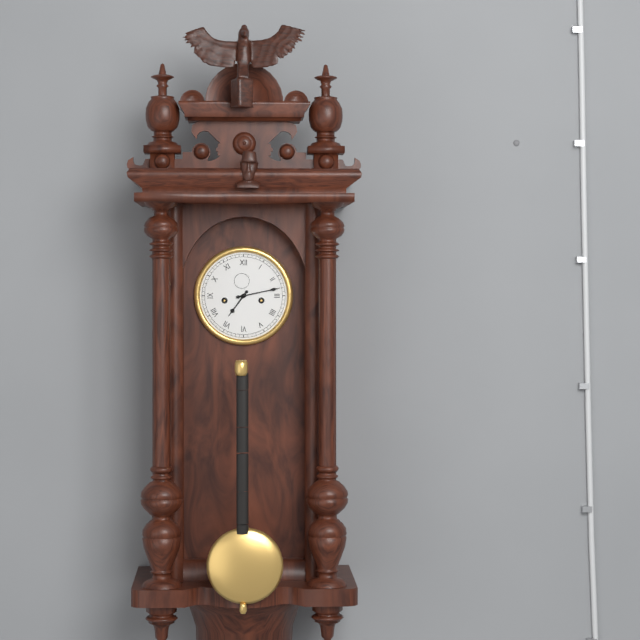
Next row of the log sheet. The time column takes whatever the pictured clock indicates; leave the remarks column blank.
7:13
